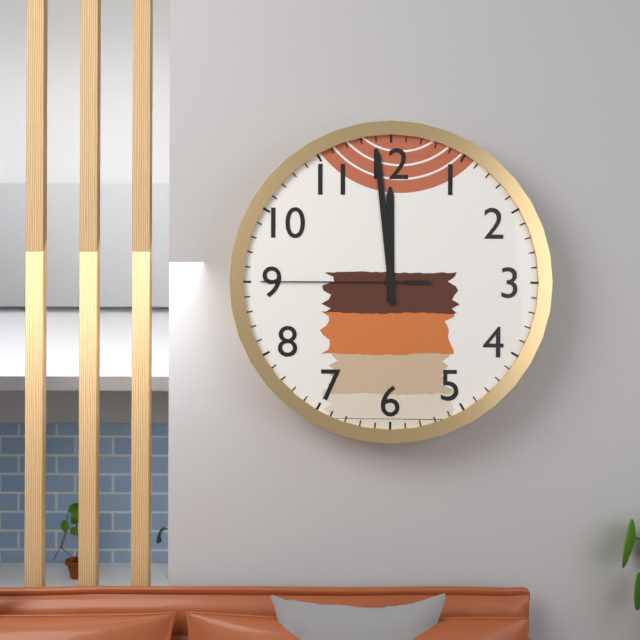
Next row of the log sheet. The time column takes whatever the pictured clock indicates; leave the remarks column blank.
11:59:45
